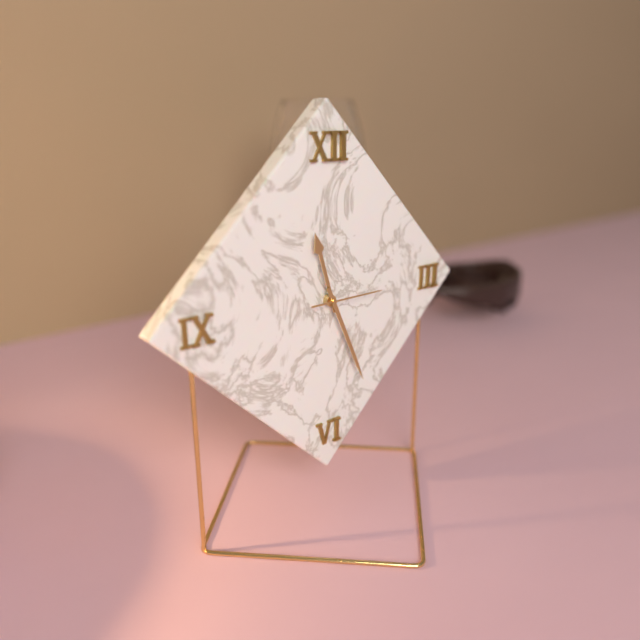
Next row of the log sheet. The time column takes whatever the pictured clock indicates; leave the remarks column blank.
11:26:15
